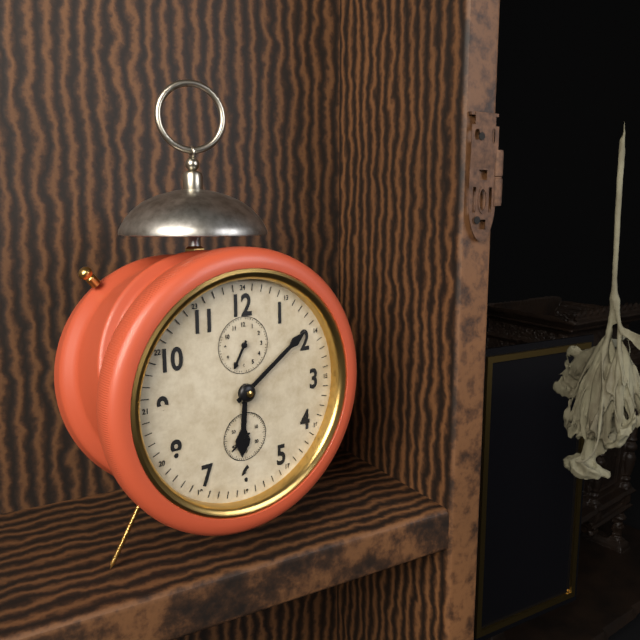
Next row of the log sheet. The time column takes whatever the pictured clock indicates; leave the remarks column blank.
6:09
